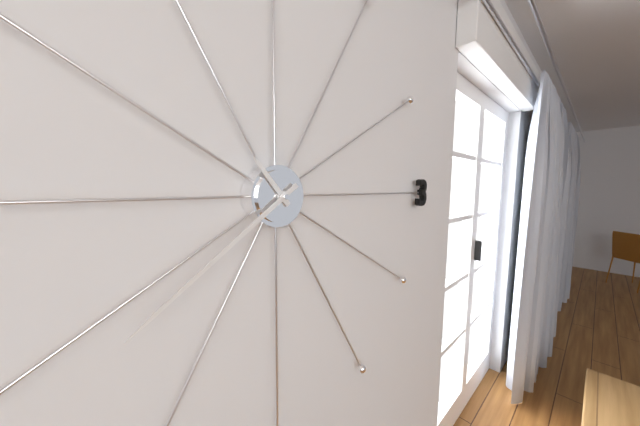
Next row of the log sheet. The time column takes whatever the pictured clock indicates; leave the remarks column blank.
10:39
